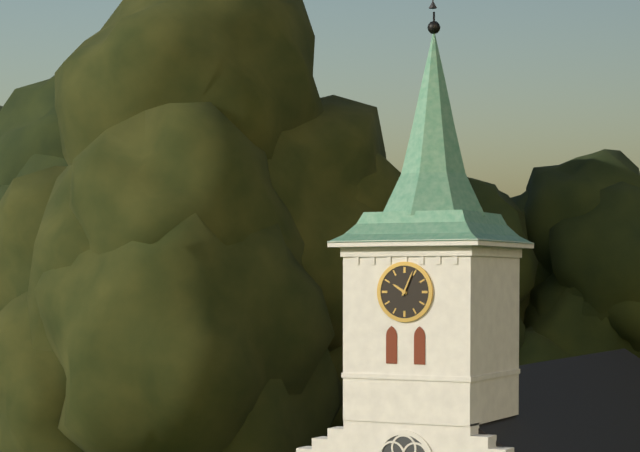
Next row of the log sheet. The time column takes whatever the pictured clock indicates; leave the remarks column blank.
10:04
